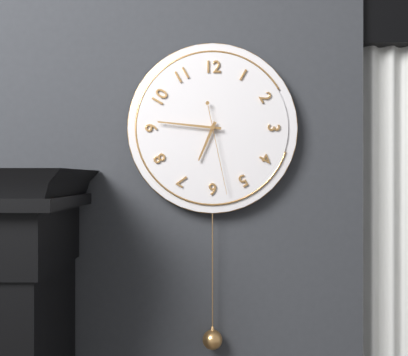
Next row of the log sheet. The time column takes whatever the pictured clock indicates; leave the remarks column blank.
6:46:28
